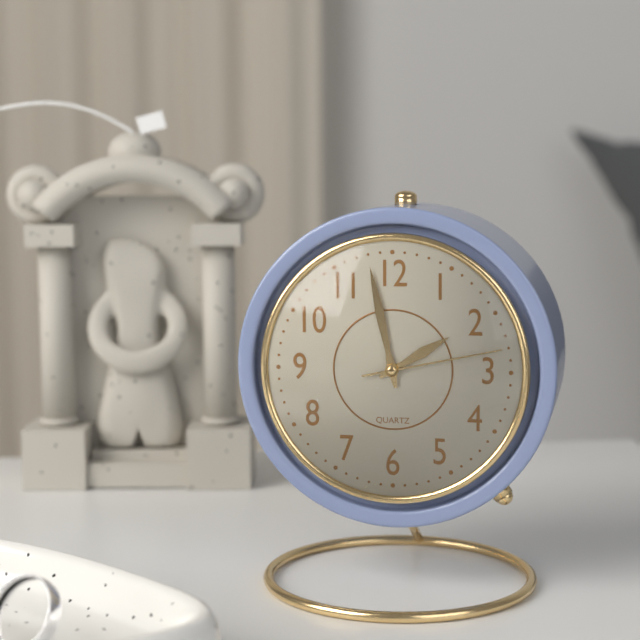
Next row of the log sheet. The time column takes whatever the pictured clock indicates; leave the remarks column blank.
1:58:13
